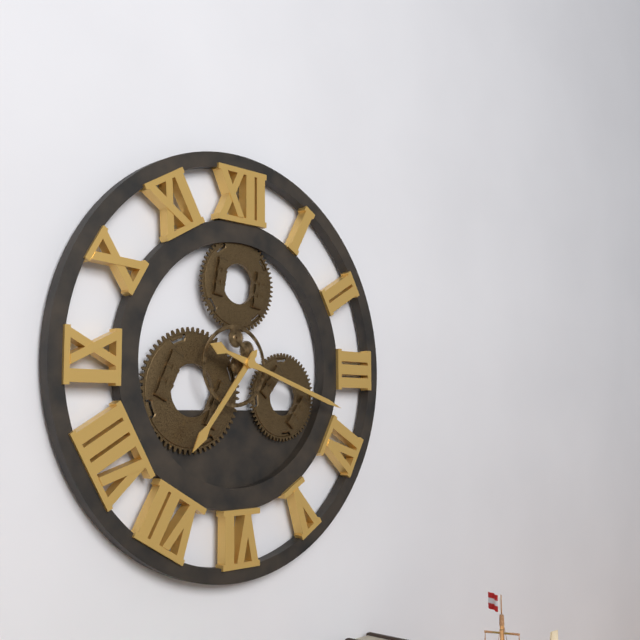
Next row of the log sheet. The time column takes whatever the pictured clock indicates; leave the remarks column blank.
7:18
